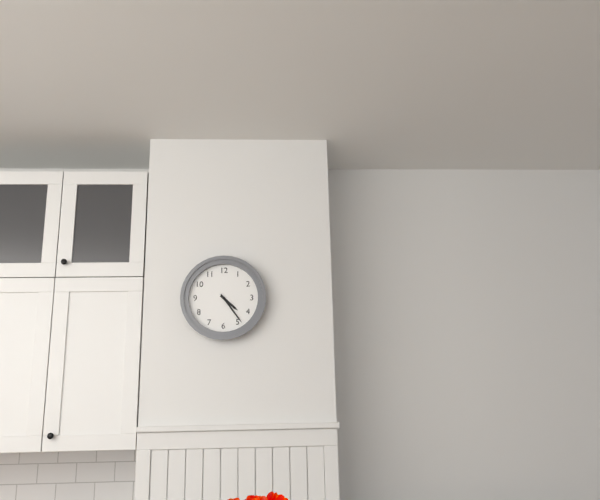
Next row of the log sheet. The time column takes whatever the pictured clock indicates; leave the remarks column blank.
4:24
